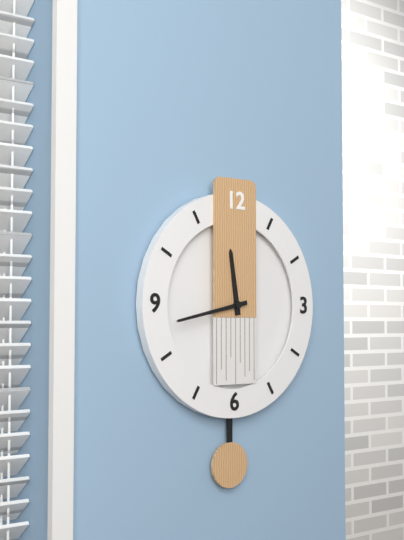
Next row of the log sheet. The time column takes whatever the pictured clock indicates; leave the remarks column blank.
11:43
